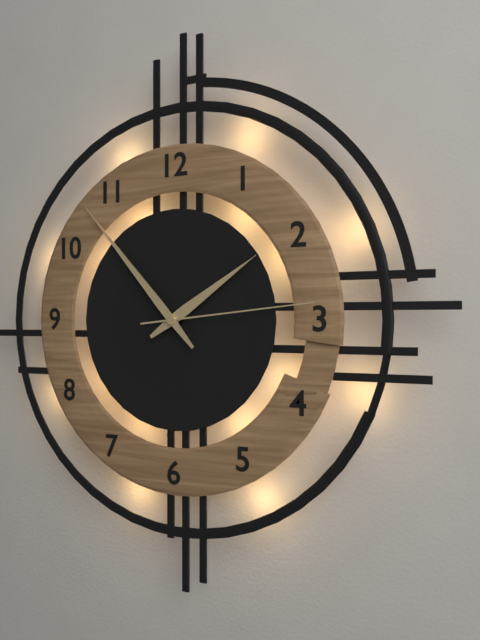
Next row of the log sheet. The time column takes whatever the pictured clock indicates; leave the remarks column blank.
1:53:14
